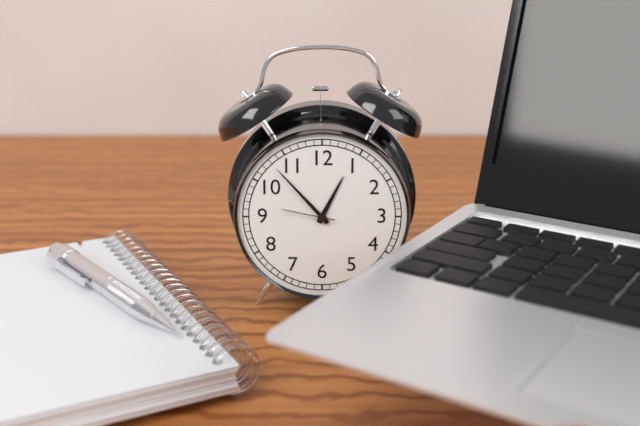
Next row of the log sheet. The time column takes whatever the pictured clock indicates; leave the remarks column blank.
12:53:47
